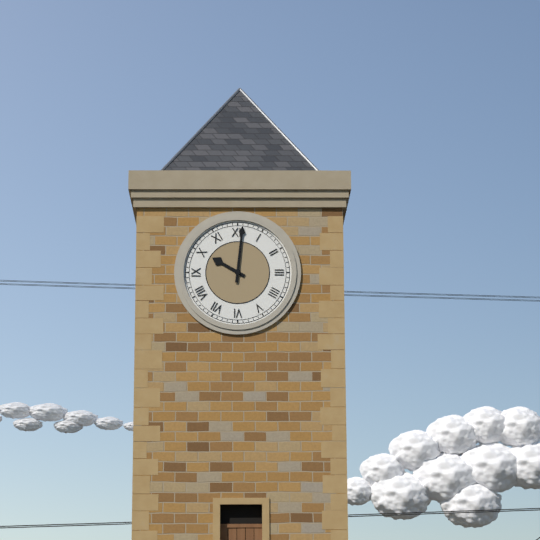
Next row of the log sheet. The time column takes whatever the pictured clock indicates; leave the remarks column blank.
10:01
